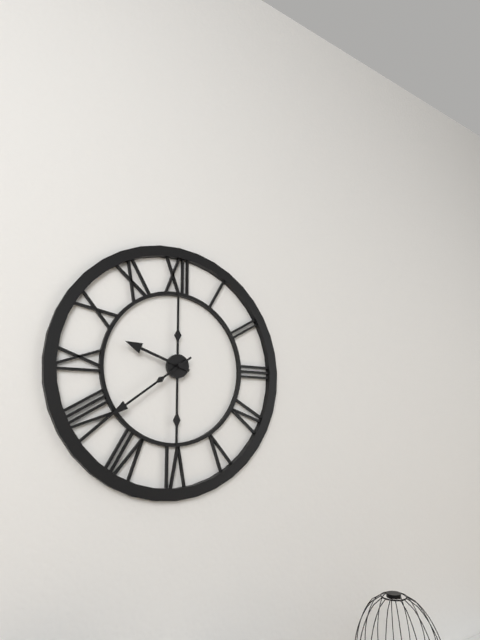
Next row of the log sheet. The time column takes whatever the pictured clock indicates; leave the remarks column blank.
9:39
